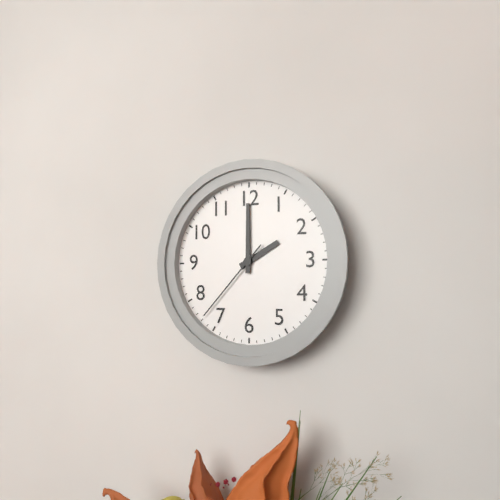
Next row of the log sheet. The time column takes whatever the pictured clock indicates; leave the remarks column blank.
2:00:37
